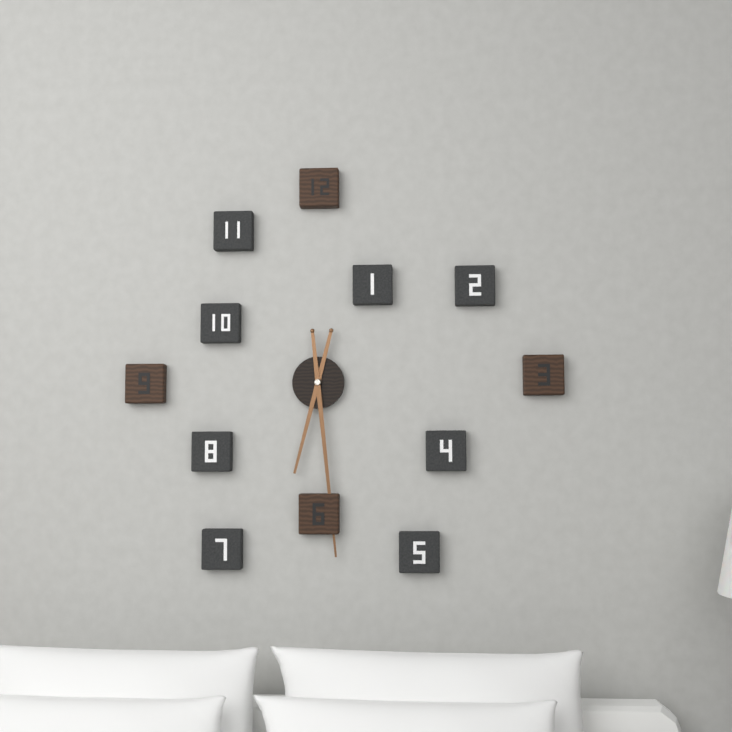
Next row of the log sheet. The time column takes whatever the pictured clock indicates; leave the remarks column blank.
6:29
